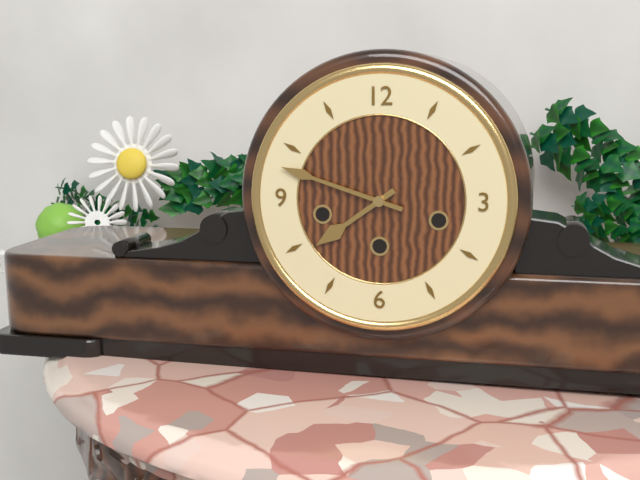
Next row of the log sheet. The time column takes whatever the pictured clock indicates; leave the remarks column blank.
7:48
